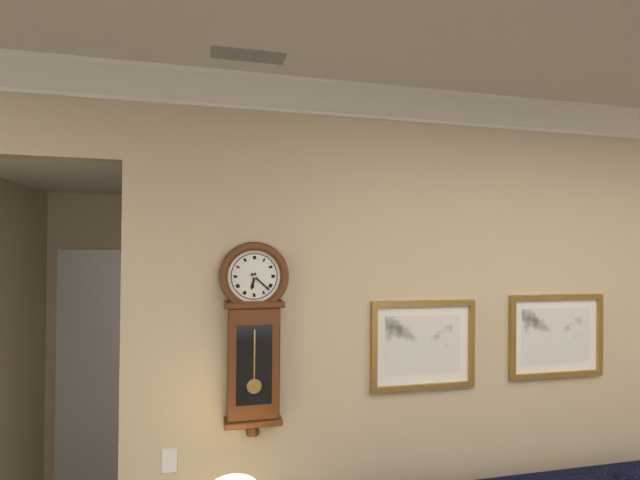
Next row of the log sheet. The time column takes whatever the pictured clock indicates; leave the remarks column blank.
6:22
